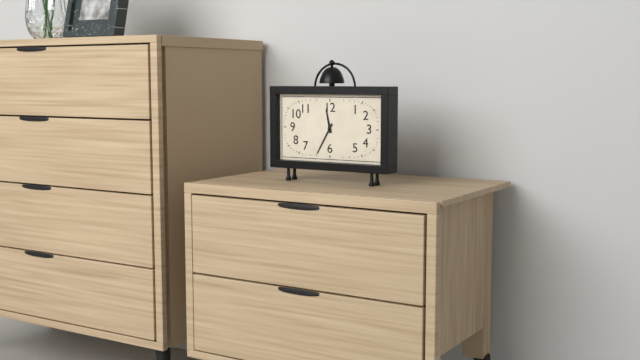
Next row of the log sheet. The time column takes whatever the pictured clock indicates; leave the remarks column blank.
11:35
